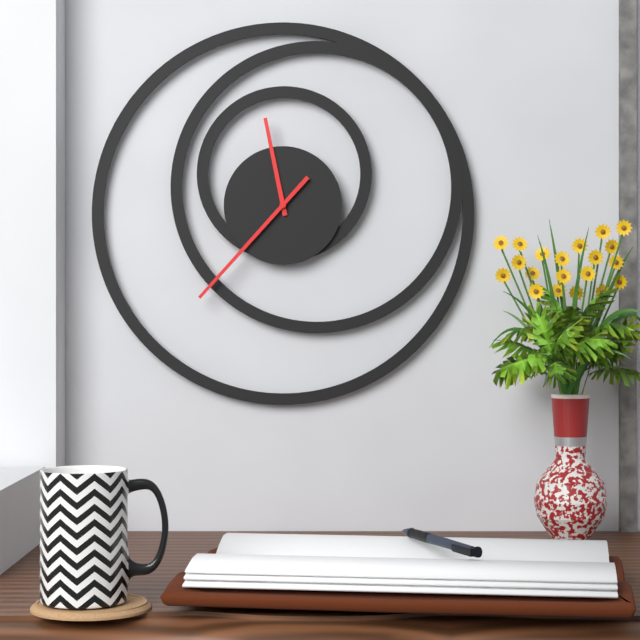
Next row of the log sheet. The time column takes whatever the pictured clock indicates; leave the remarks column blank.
11:37
